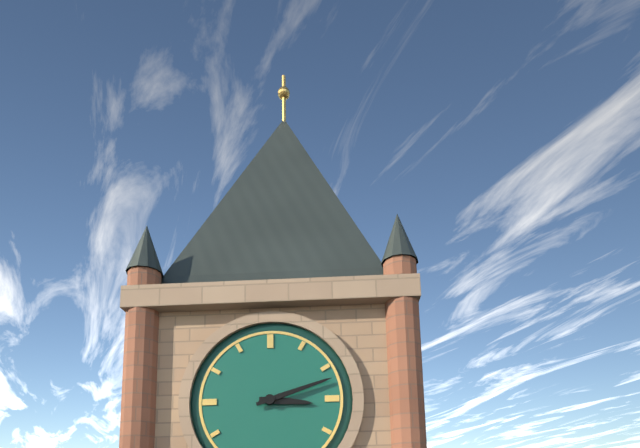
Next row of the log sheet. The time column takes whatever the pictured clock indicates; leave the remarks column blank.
3:12
